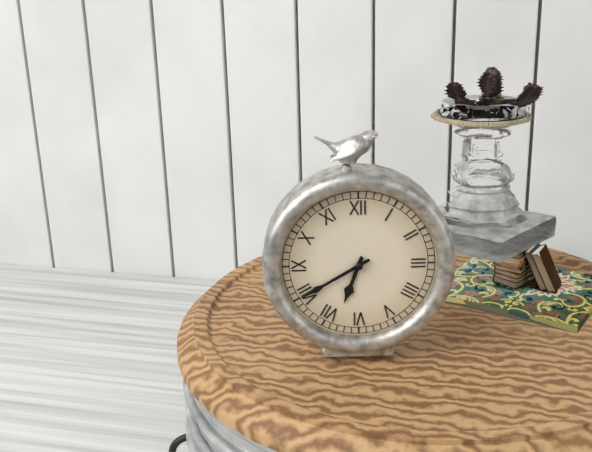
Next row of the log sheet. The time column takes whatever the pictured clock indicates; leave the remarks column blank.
6:40
